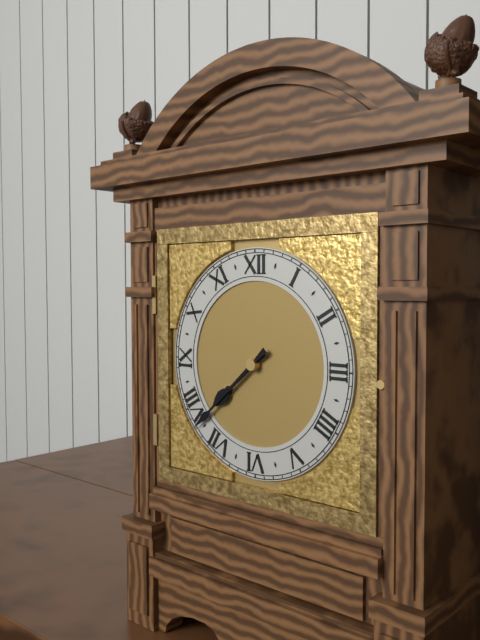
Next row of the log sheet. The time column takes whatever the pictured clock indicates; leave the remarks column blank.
7:38
